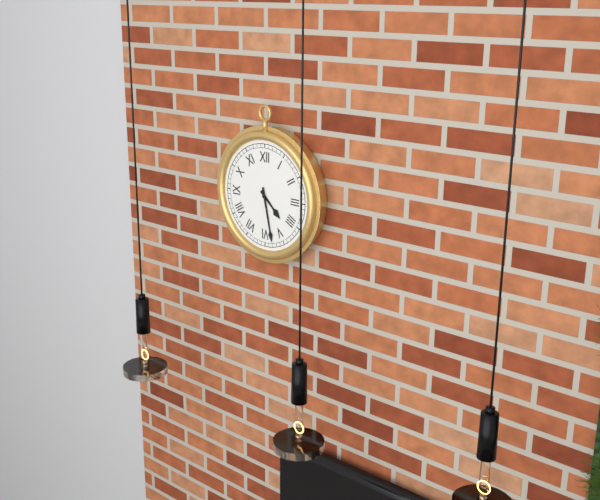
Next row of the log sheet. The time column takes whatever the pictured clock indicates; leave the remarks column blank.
4:28
